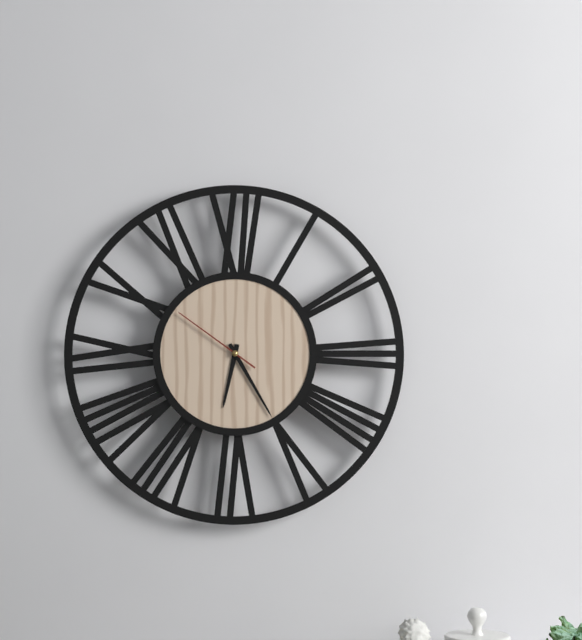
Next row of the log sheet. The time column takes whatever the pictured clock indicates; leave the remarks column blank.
6:25:51
